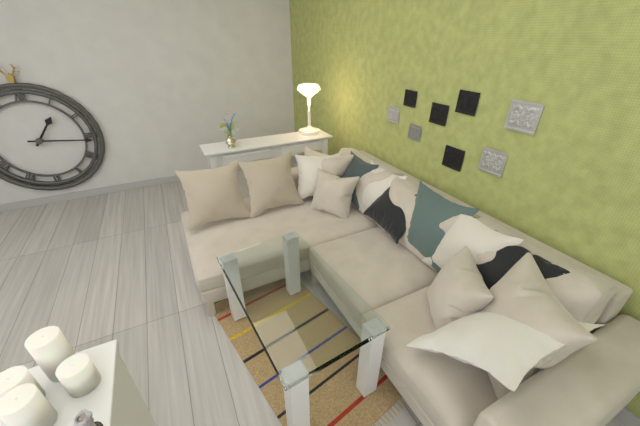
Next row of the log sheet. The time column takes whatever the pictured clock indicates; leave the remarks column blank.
1:16
